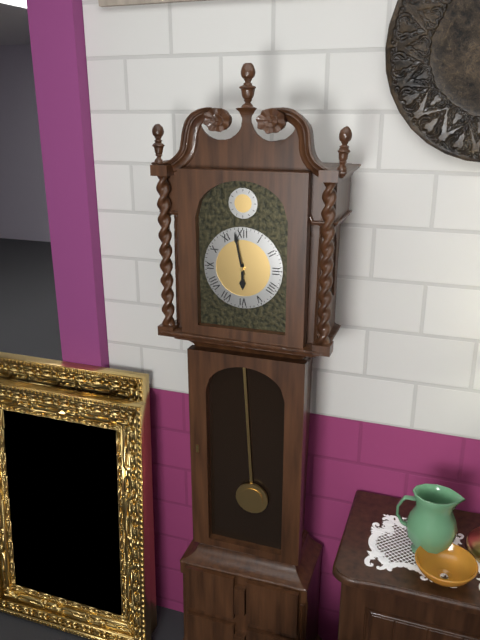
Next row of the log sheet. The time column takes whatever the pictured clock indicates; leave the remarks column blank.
5:58
